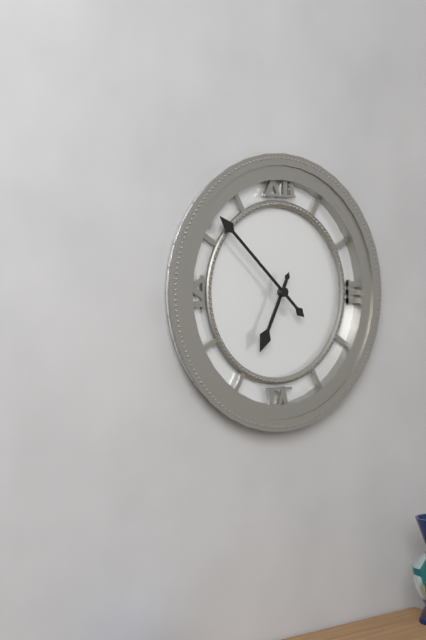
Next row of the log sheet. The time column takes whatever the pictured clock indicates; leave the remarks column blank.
6:52
